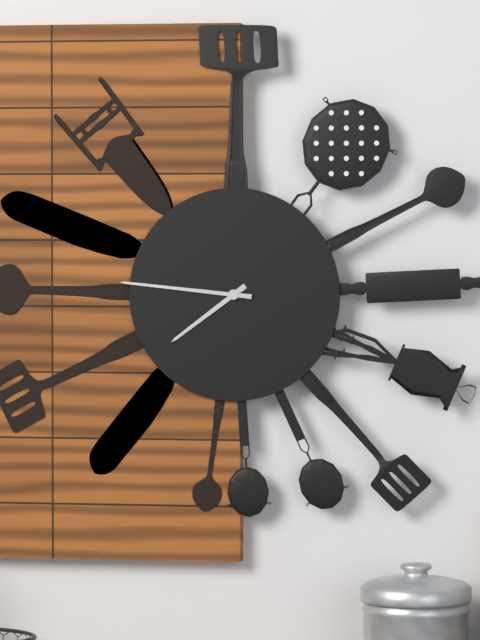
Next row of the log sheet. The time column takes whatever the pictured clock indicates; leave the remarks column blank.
7:46
